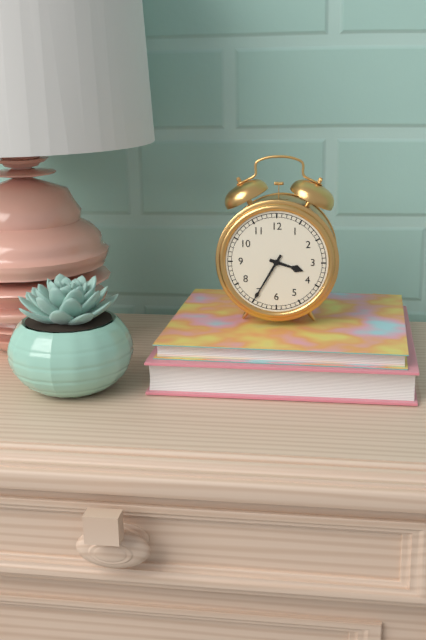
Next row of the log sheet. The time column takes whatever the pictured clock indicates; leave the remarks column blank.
3:35
